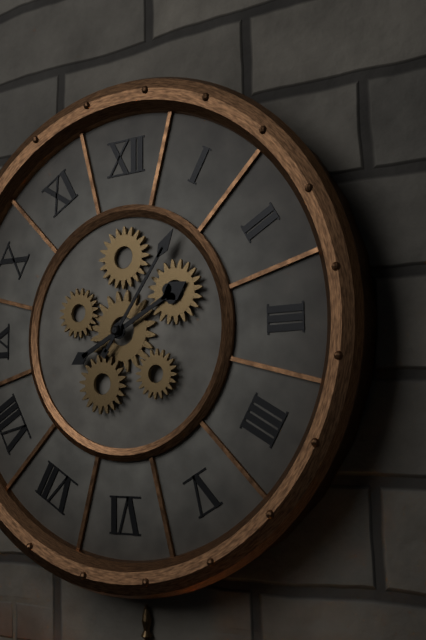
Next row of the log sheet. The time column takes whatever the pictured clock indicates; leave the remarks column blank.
2:06
